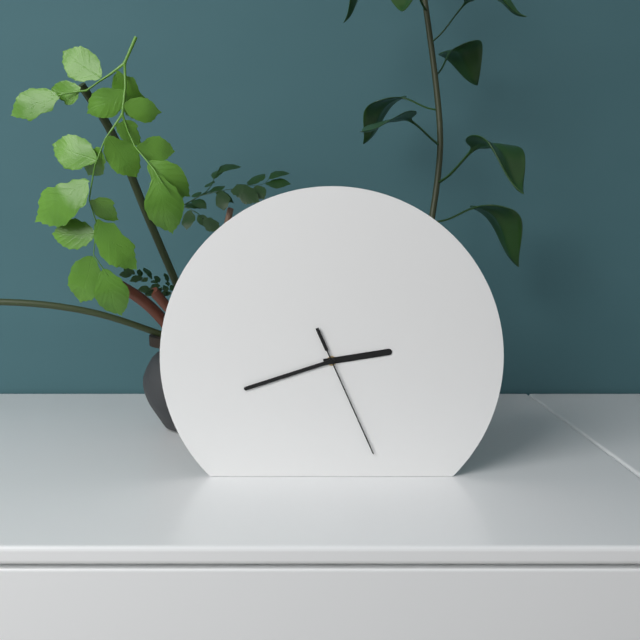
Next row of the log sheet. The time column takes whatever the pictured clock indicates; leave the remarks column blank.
2:42:26
